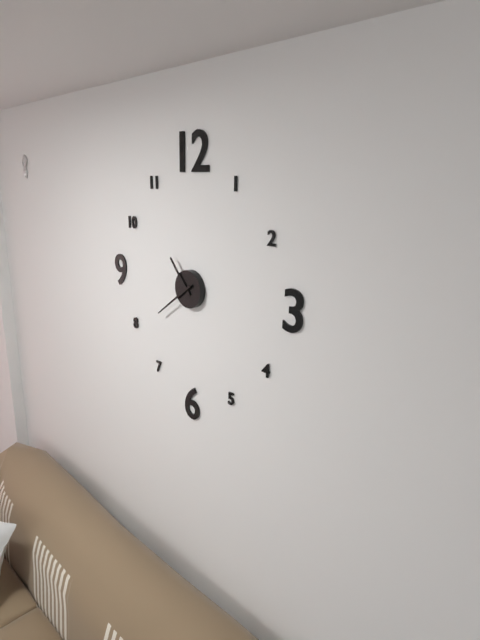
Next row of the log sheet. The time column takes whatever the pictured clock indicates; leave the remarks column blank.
10:39
